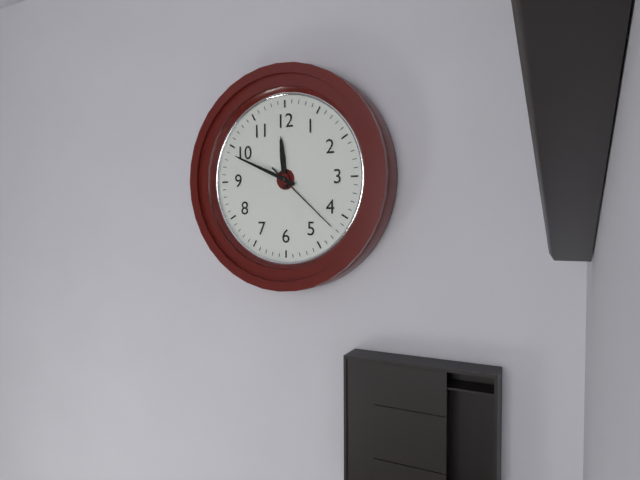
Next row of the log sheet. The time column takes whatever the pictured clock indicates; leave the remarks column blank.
11:49:22
